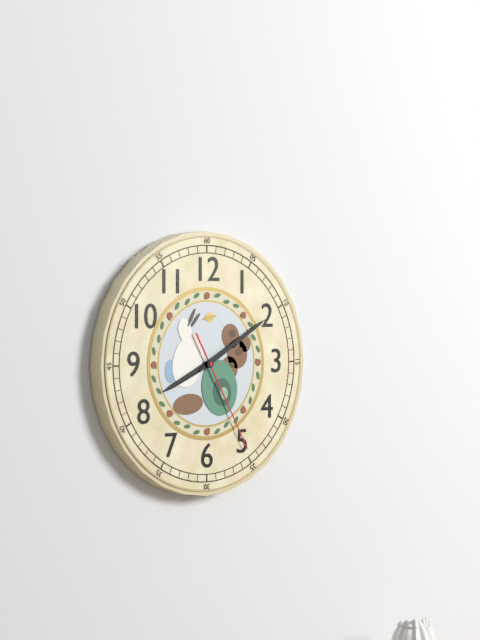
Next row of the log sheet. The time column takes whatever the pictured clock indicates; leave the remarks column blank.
8:10:25
